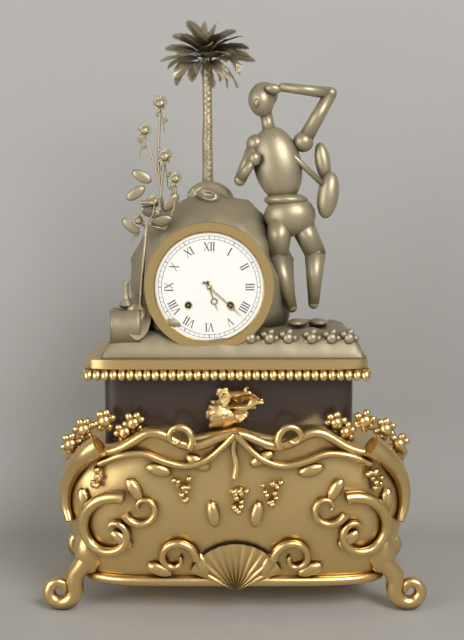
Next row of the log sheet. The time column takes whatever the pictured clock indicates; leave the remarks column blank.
5:22
